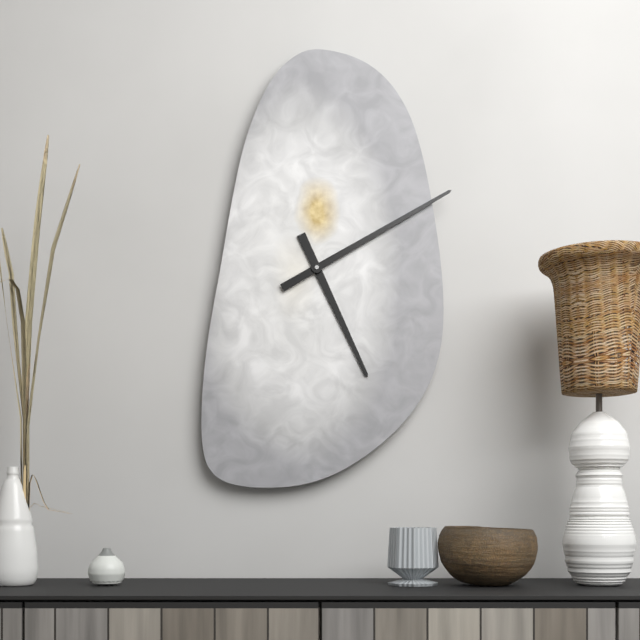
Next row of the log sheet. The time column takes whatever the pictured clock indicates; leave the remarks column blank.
5:10
